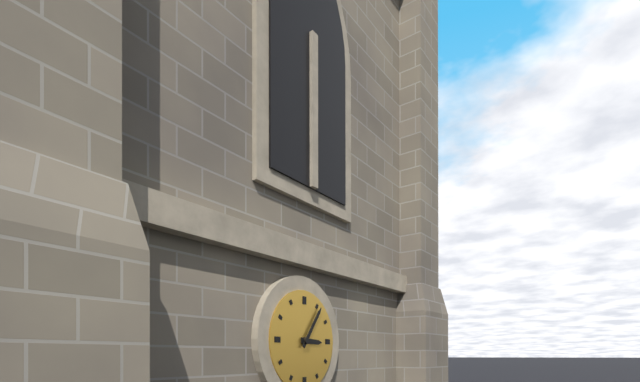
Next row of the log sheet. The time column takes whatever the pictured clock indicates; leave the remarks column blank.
3:06
